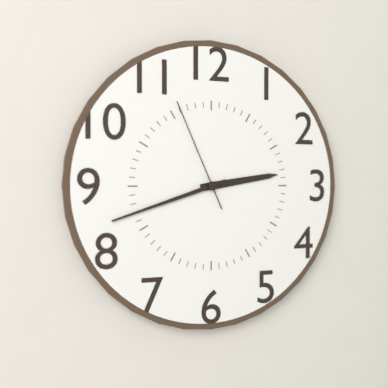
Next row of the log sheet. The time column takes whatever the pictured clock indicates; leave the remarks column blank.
2:42:56
